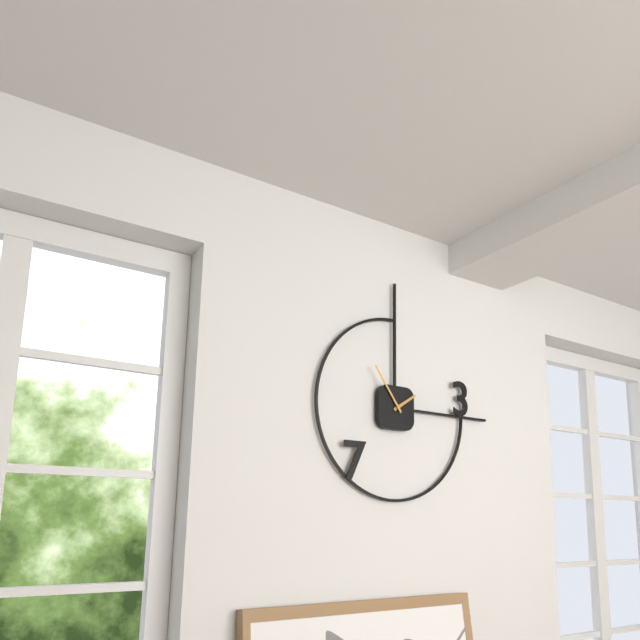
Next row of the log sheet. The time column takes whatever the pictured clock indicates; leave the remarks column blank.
1:54
